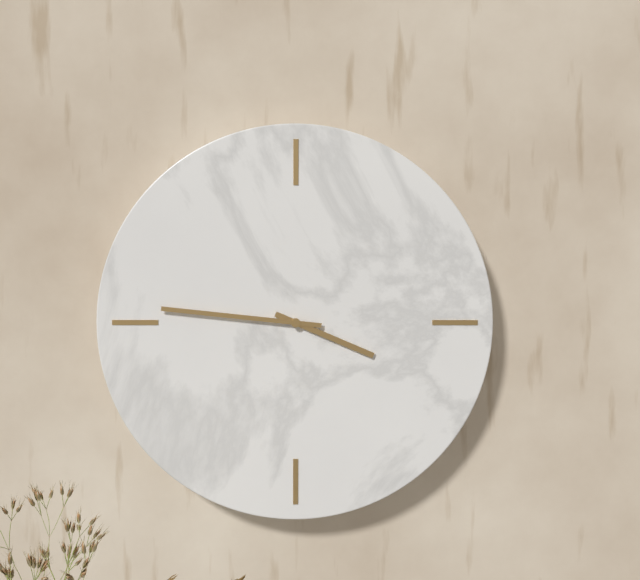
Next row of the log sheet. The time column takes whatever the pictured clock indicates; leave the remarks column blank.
3:46
